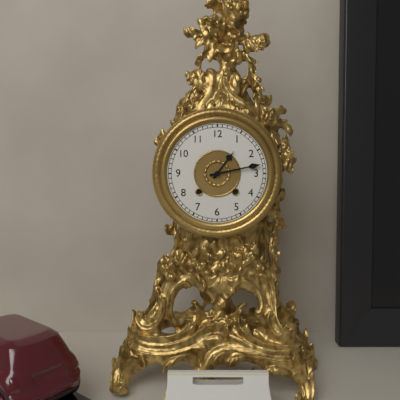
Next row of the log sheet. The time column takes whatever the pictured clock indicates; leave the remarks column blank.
1:13
